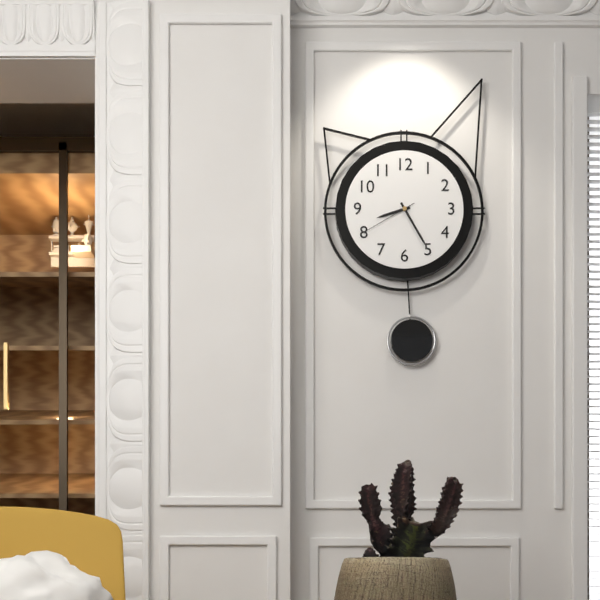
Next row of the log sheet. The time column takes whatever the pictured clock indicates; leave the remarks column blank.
8:25:40
